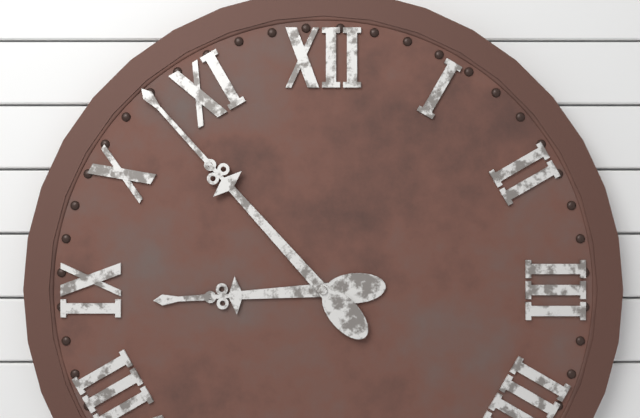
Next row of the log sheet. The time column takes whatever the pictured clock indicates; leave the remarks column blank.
8:53
